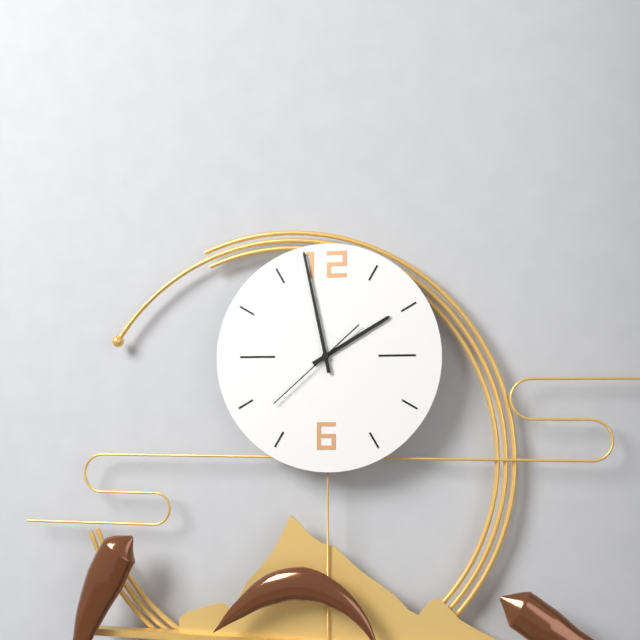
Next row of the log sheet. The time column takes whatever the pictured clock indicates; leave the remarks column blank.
1:58:38
